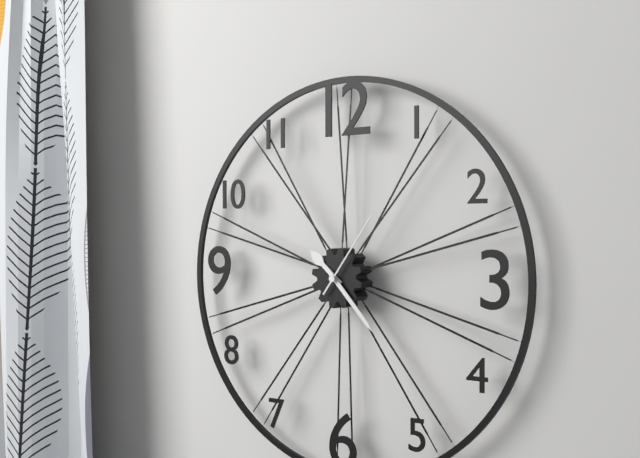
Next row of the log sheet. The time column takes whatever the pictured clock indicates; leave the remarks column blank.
10:23:06
